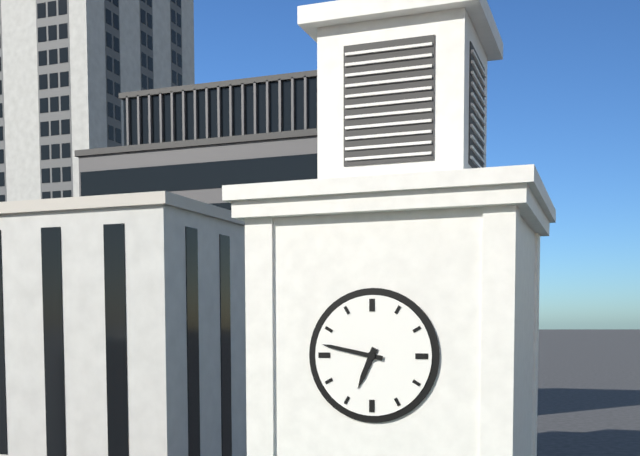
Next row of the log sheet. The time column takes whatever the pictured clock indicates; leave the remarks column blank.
6:47
